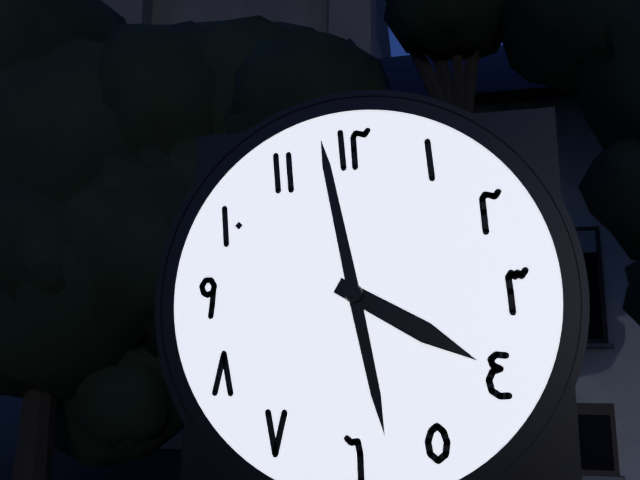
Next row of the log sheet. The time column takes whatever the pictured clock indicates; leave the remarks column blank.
3:58
